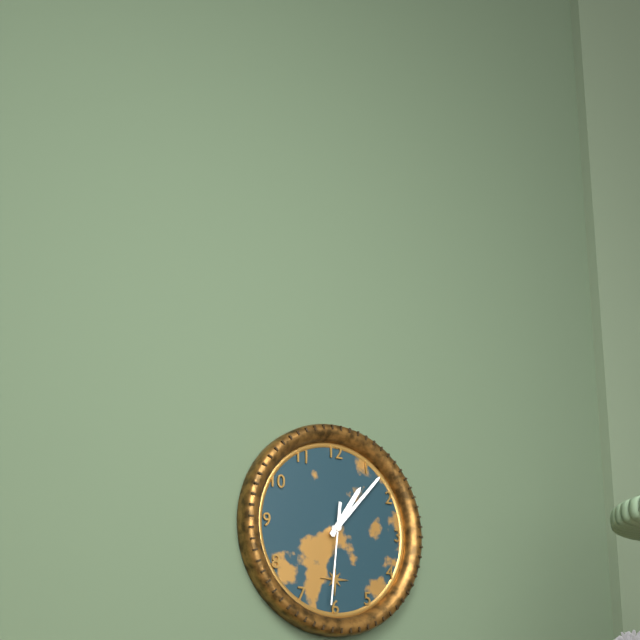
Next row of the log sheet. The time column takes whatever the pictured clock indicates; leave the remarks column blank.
1:07:31
